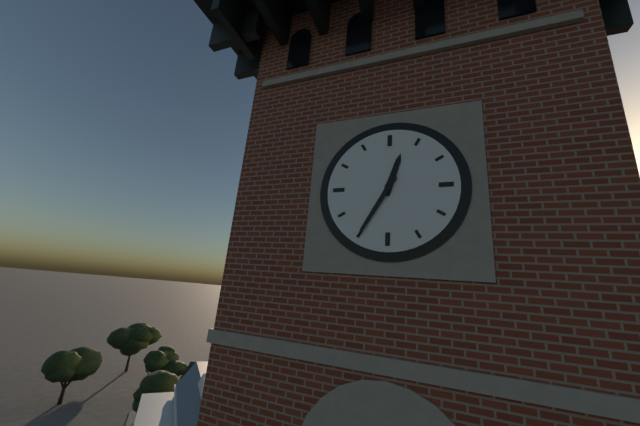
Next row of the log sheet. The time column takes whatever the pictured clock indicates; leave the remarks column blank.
12:35
